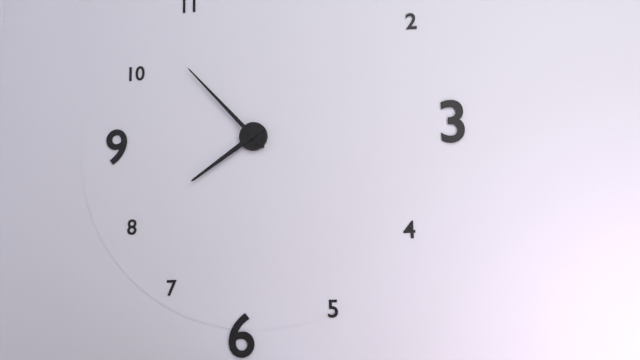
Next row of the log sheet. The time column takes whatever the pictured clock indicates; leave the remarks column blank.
7:53
